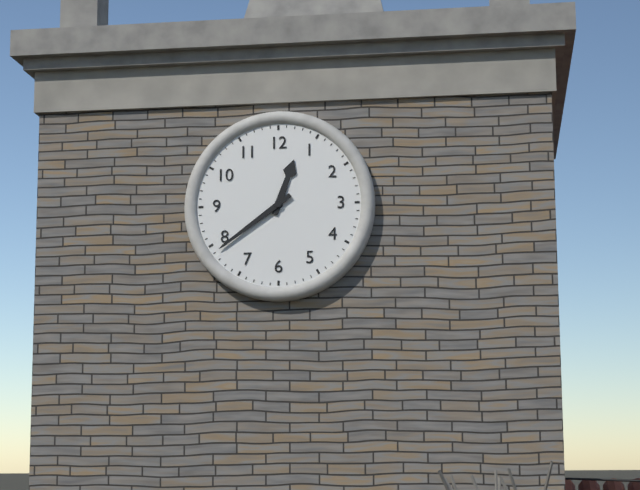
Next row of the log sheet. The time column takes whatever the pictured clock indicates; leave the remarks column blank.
12:39
